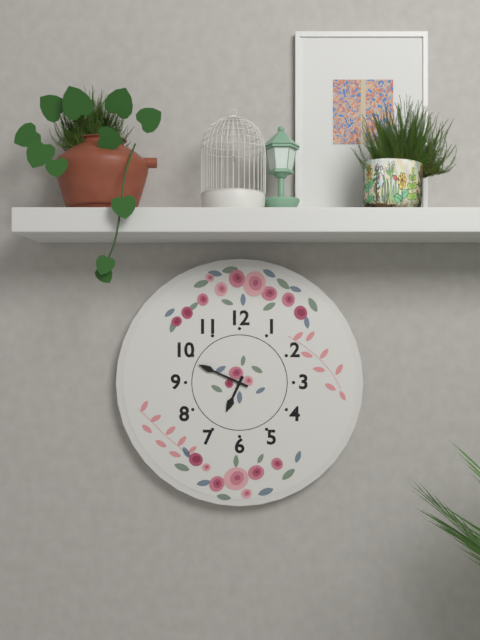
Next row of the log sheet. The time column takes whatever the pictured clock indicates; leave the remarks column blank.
6:49
